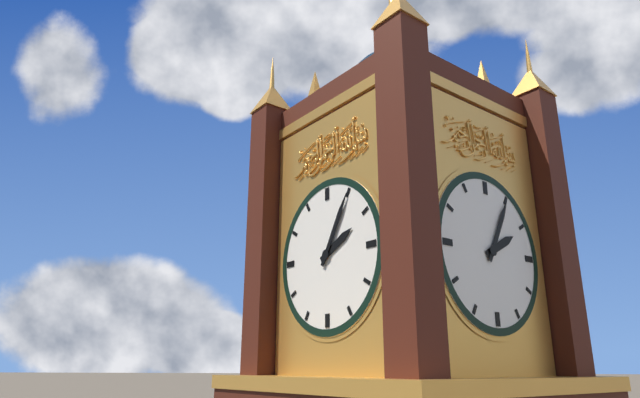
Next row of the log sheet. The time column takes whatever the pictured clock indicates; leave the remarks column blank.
2:05
